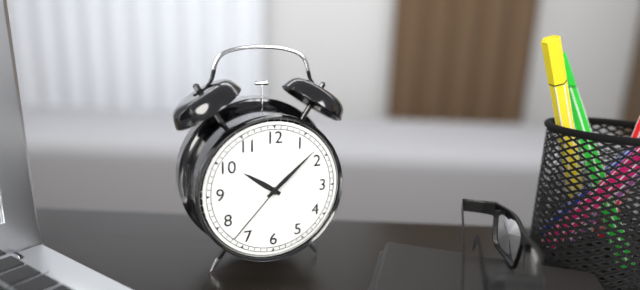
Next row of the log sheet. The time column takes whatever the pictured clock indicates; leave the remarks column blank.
10:08:37
